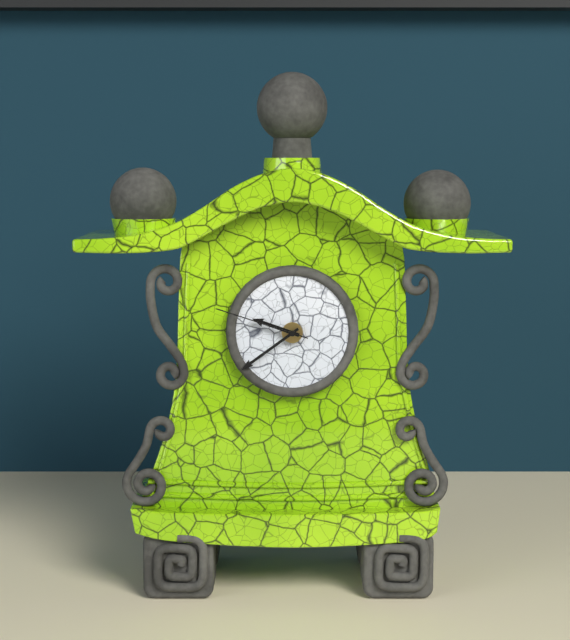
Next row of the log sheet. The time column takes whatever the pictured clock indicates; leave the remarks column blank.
9:39:48
